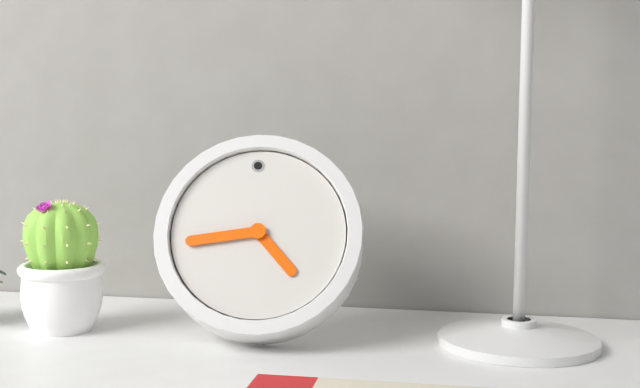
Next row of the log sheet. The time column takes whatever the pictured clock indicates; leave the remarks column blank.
4:44
